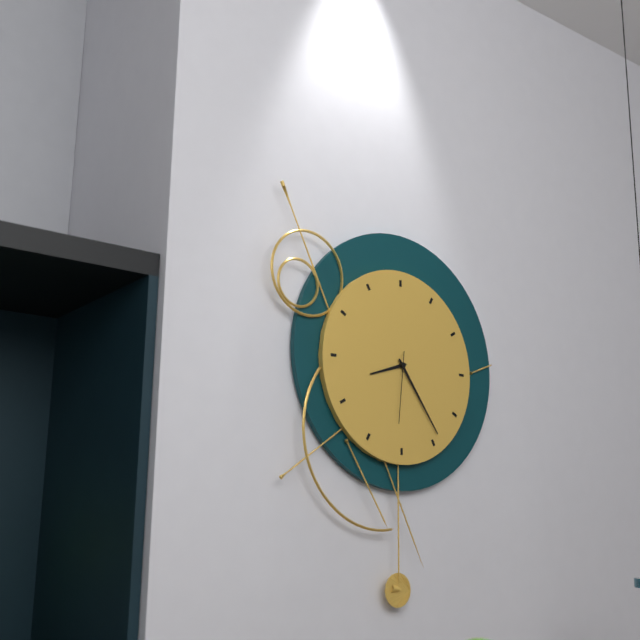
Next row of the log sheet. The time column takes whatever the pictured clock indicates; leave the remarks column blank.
8:24:31
